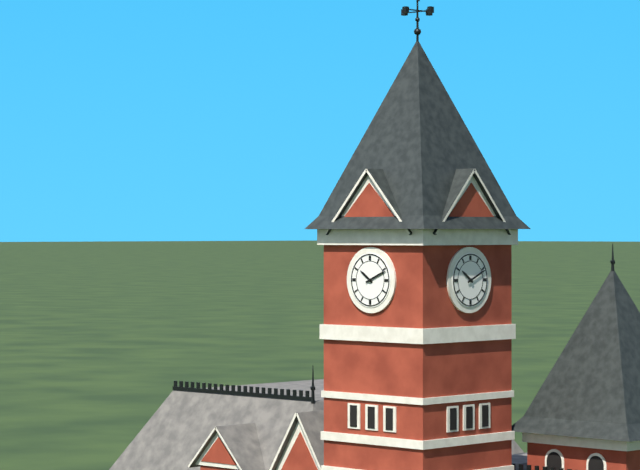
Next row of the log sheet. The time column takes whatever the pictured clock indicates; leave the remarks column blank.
10:11
